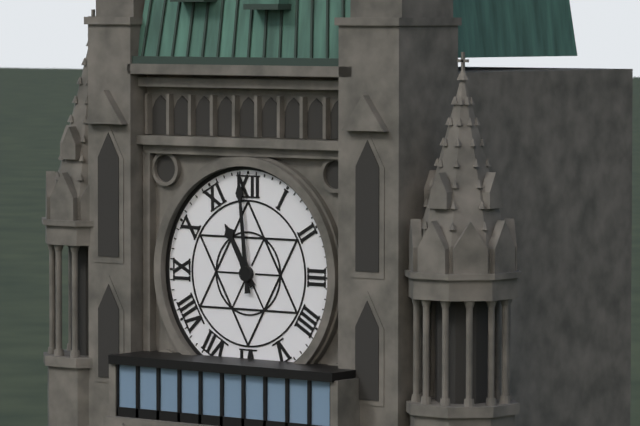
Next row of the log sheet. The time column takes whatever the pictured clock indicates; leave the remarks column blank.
10:59
